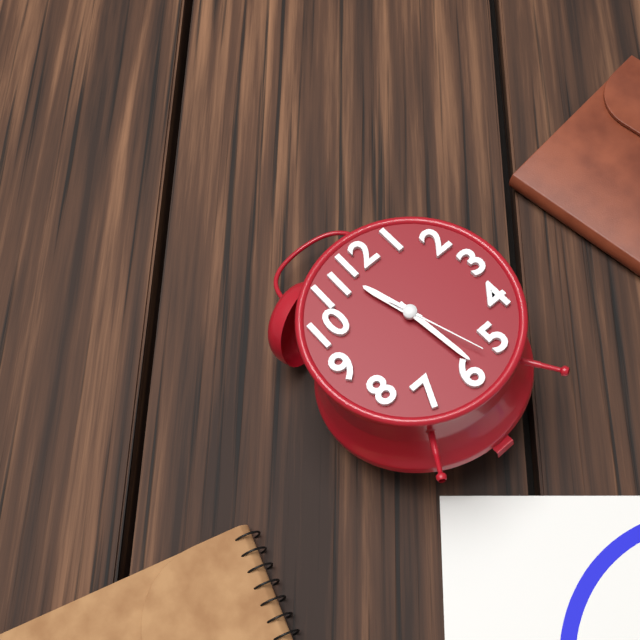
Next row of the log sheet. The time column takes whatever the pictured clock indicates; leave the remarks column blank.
11:29:27
